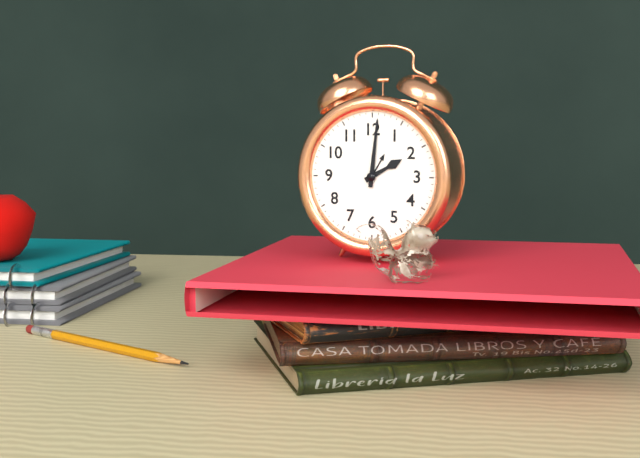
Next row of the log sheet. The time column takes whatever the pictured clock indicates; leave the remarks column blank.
2:01
